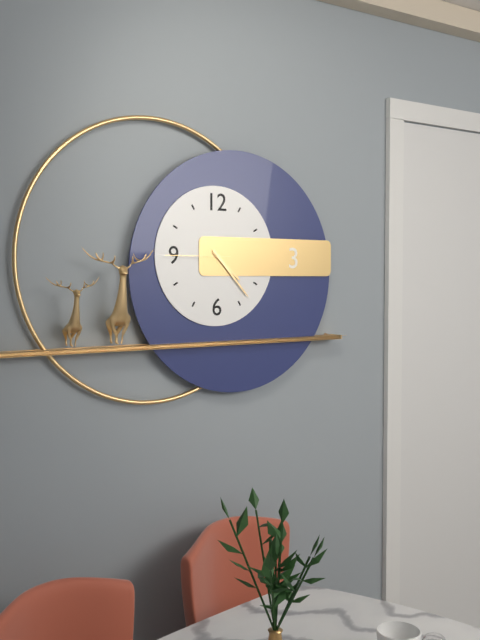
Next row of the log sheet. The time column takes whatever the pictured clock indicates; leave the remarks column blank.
4:23:45
